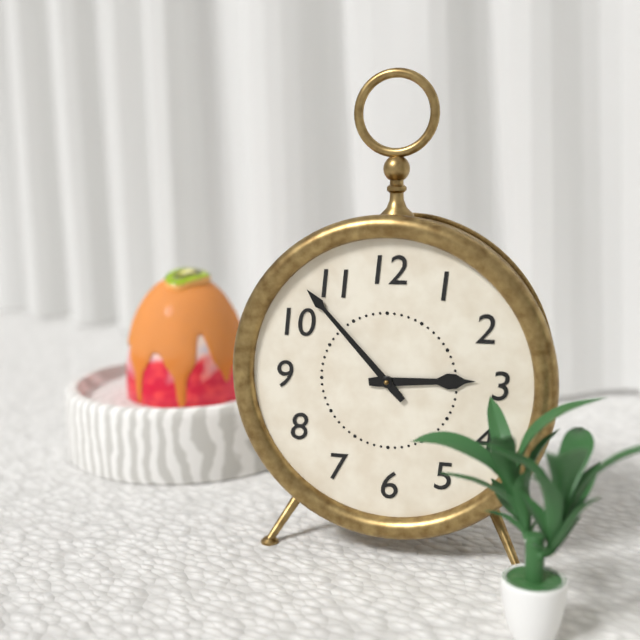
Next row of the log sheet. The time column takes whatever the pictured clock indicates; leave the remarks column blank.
2:53
